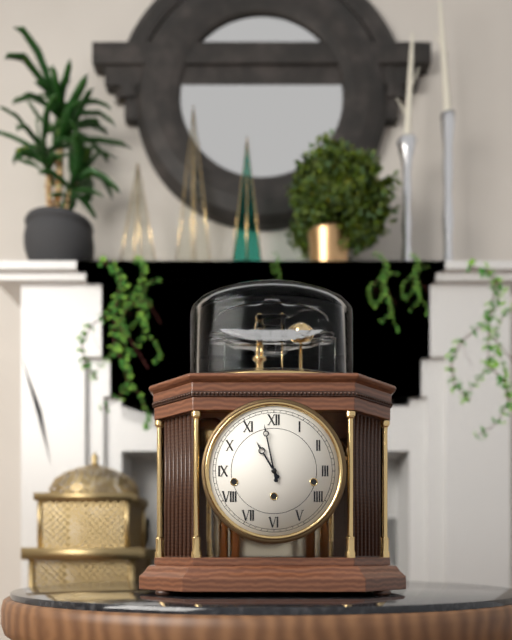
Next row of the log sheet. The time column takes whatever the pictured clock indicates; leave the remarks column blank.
10:58
